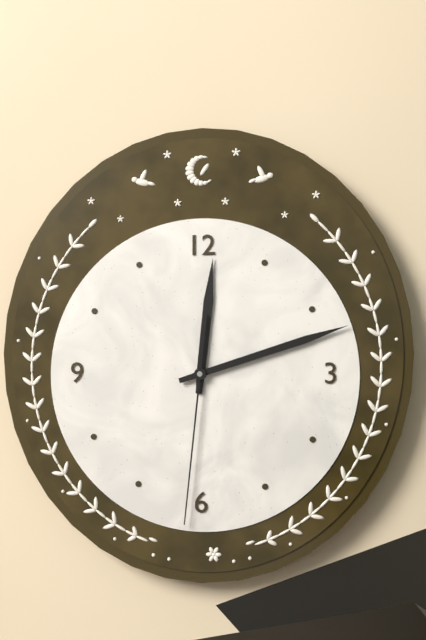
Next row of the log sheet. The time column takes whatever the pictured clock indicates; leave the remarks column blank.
12:12:31
